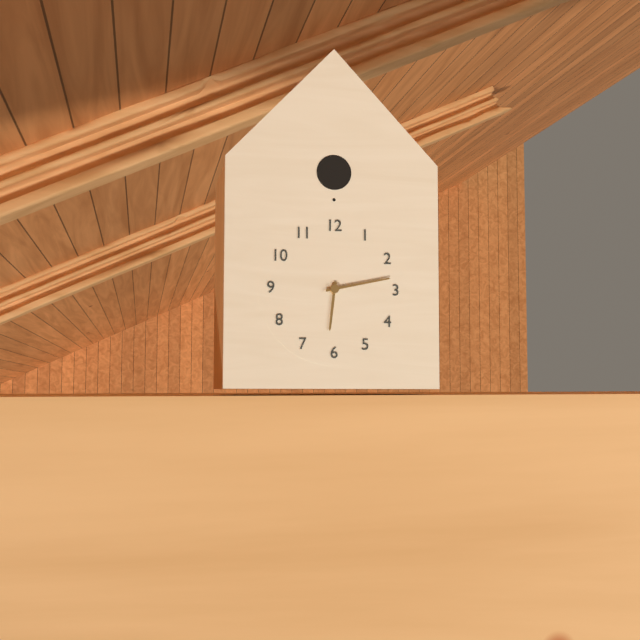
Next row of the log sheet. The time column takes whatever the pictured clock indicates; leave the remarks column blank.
6:13
